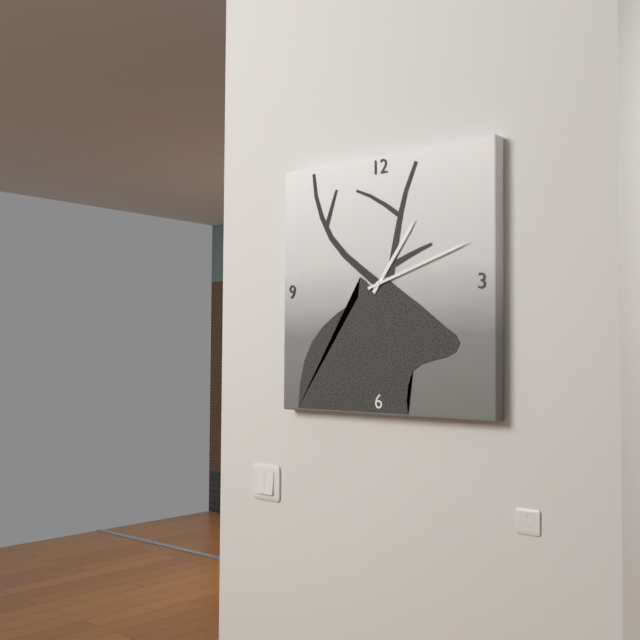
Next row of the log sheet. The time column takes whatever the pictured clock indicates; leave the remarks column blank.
1:12
